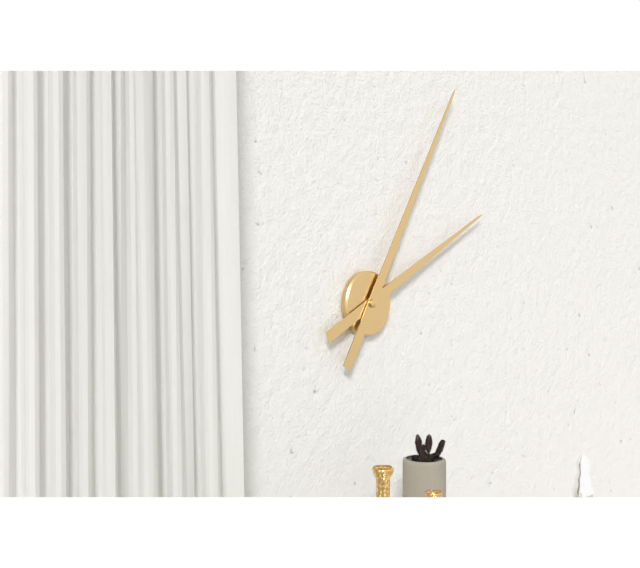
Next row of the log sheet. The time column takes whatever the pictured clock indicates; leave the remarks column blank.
2:05
